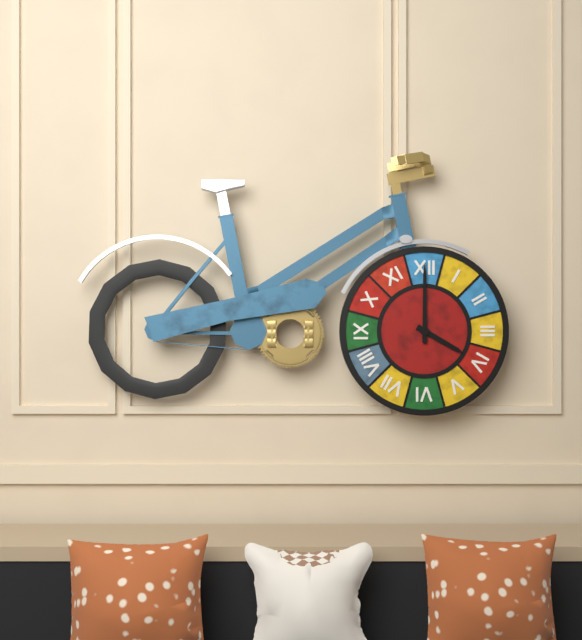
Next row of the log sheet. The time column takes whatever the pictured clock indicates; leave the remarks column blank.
4:00
